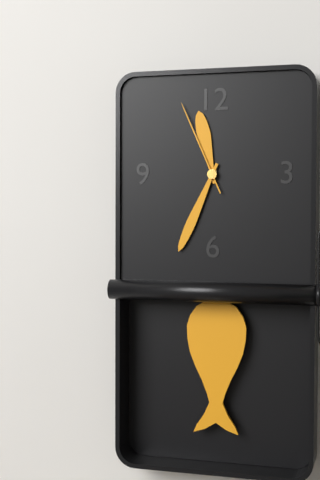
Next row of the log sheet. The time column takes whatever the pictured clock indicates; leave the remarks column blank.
11:34:56
